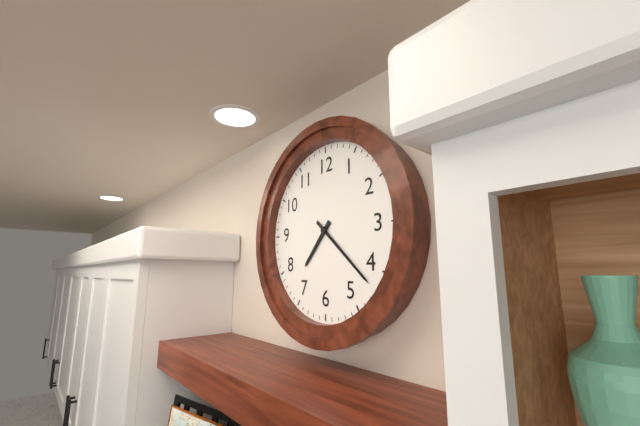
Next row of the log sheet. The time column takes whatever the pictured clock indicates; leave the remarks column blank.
7:22
